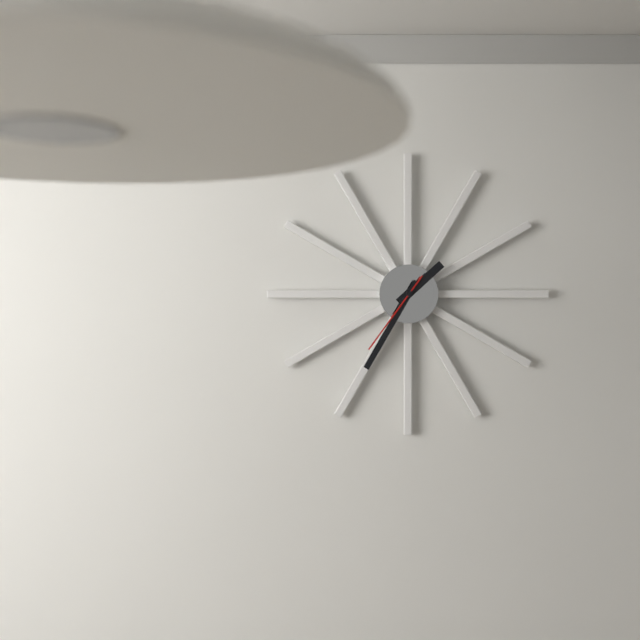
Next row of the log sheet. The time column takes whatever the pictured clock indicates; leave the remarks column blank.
1:35:36
